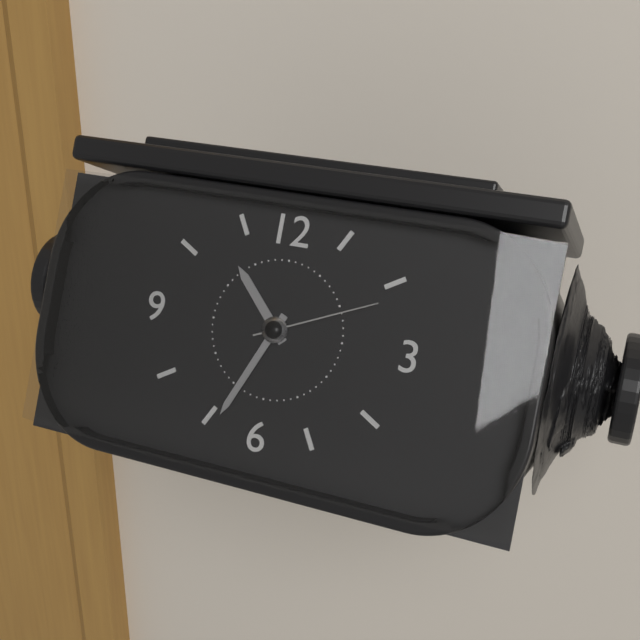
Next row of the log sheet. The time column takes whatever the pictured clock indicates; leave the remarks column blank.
10:34:11
